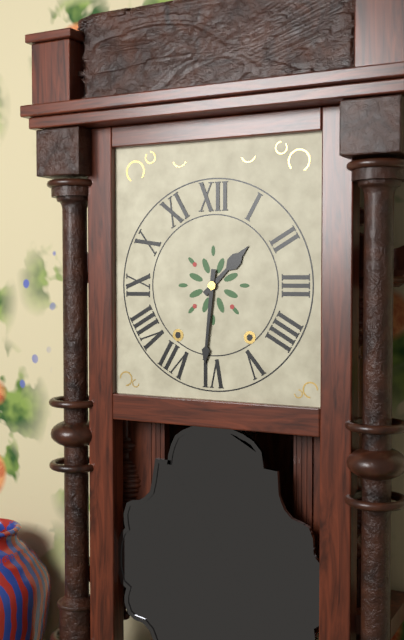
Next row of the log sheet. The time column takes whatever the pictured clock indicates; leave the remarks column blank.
1:31
